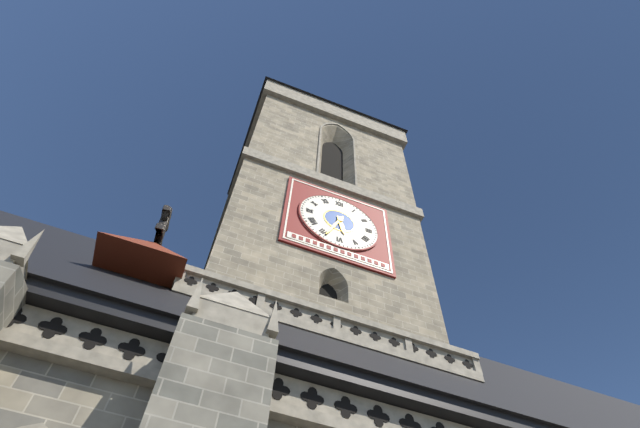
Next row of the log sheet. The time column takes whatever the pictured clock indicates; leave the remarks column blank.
5:34
